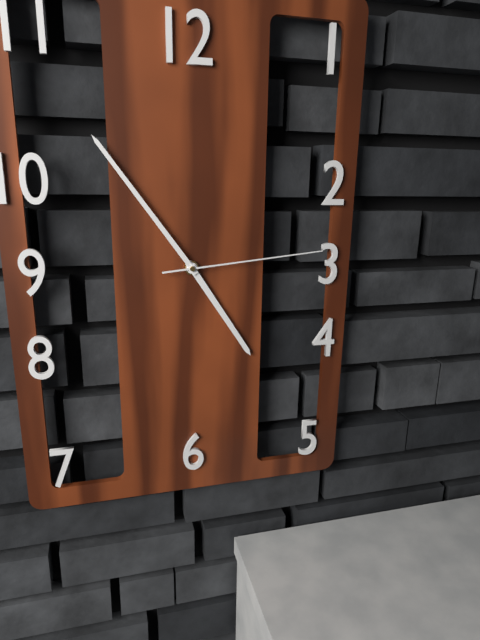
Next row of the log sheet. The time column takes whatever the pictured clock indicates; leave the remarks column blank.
4:54:14
